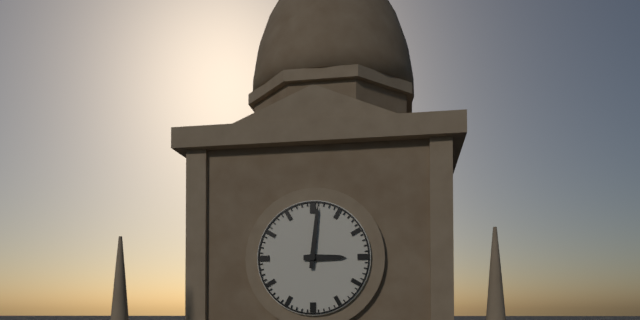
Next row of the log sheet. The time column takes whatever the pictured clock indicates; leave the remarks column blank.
3:01
